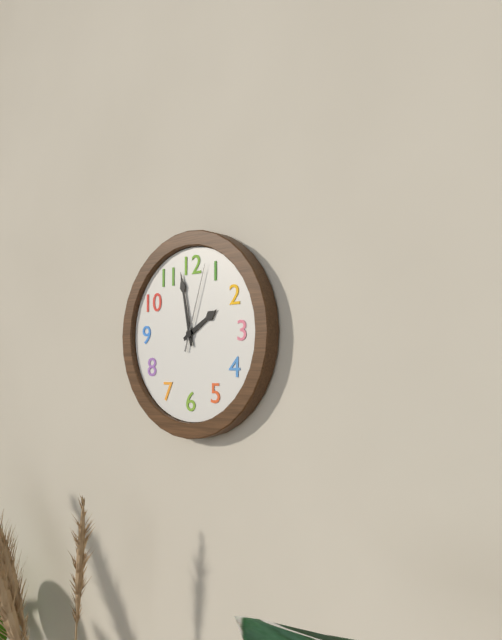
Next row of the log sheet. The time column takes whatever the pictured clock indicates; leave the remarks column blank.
1:58:03
